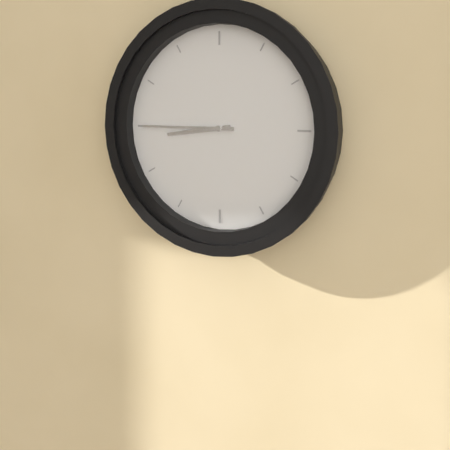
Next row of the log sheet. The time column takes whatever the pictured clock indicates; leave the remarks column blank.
8:45
